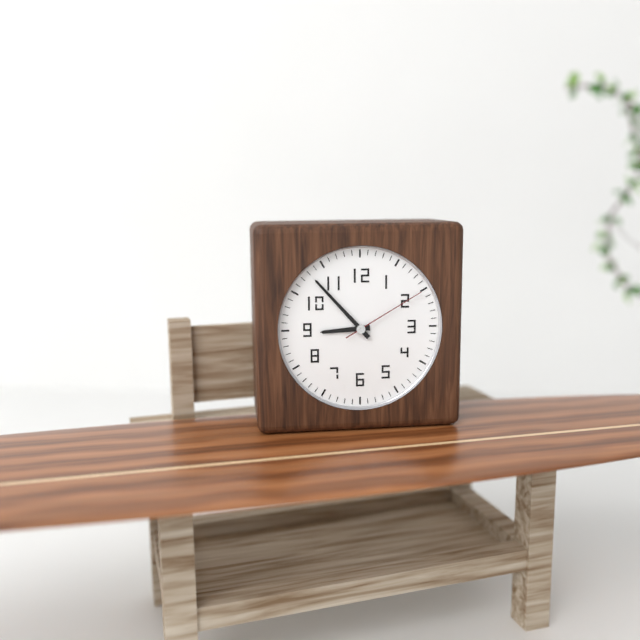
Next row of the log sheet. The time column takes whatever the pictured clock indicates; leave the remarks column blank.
8:53:10
